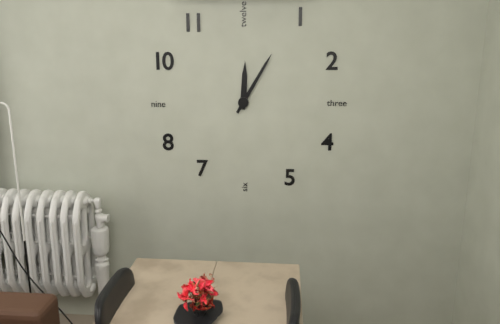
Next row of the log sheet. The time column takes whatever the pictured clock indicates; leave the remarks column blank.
12:05
